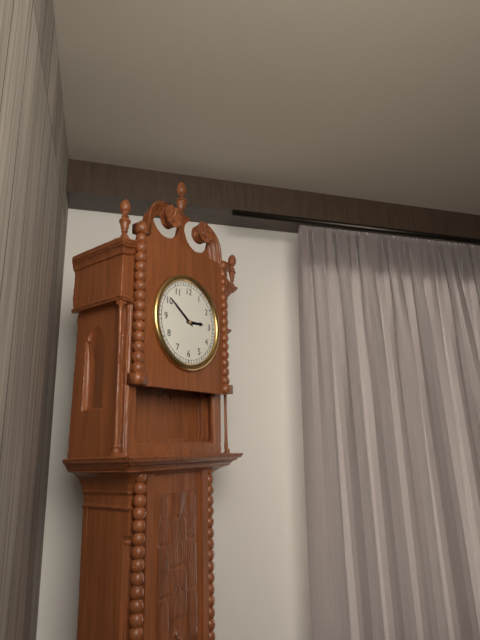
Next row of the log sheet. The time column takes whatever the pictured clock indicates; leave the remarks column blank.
2:51
